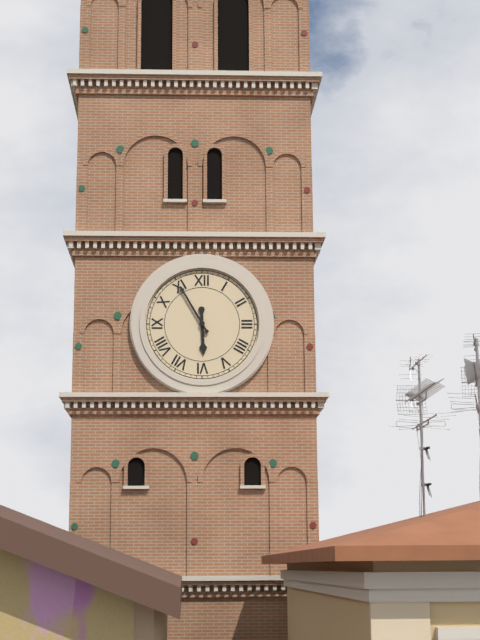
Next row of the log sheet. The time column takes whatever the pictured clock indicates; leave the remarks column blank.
5:55
